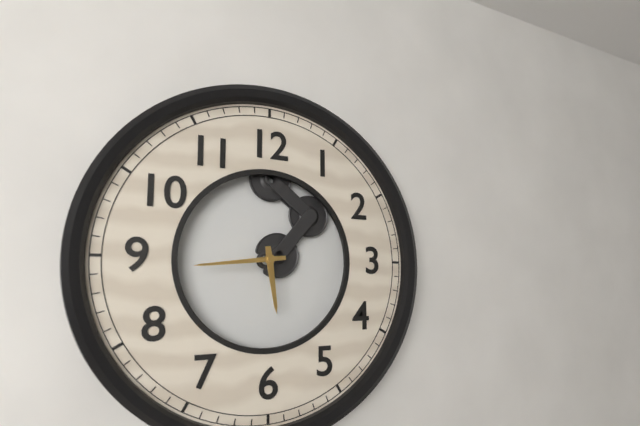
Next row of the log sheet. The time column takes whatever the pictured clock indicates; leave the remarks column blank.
5:44
